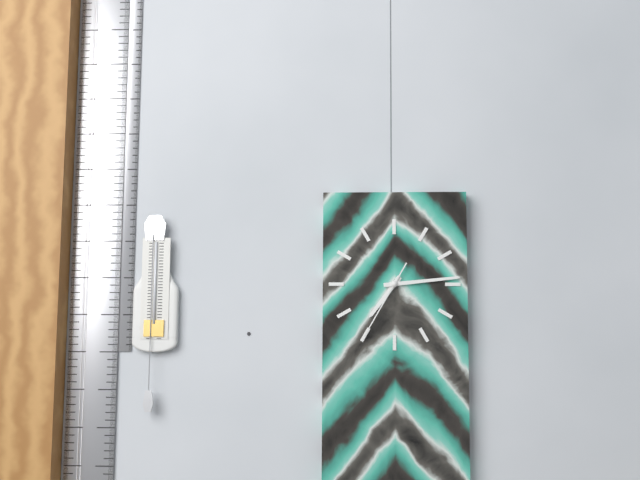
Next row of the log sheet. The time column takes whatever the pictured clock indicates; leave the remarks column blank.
7:14:35
